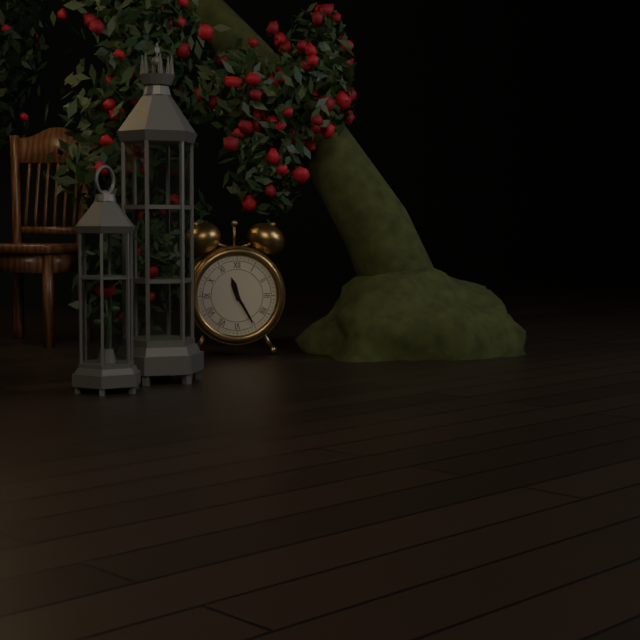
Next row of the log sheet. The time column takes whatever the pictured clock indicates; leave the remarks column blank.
11:25
